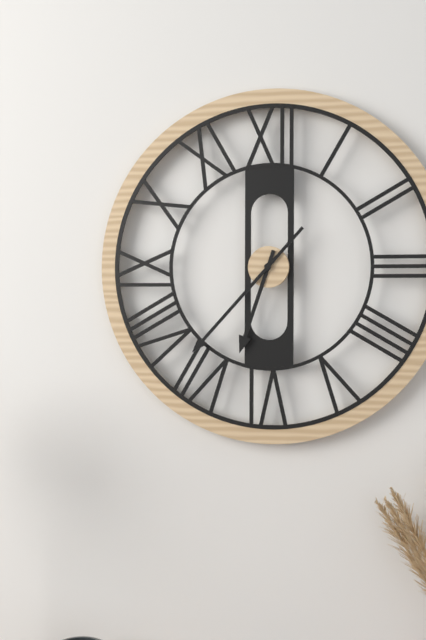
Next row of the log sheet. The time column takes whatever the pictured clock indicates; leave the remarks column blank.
6:37
